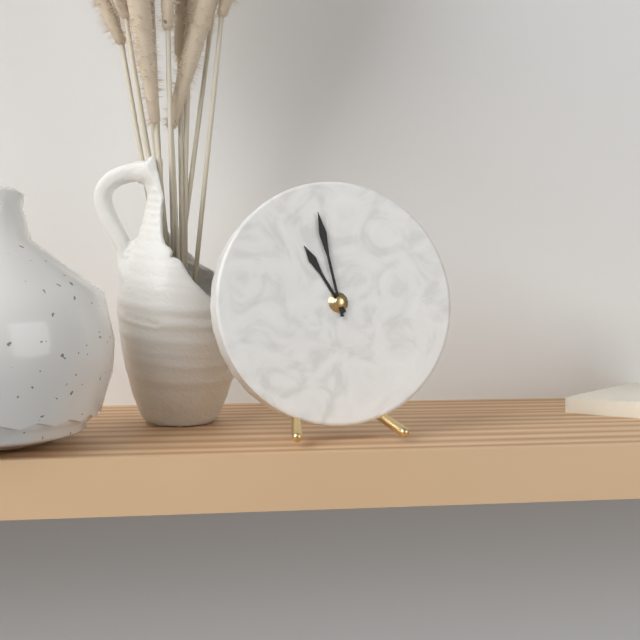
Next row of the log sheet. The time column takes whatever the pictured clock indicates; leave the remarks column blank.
10:58
